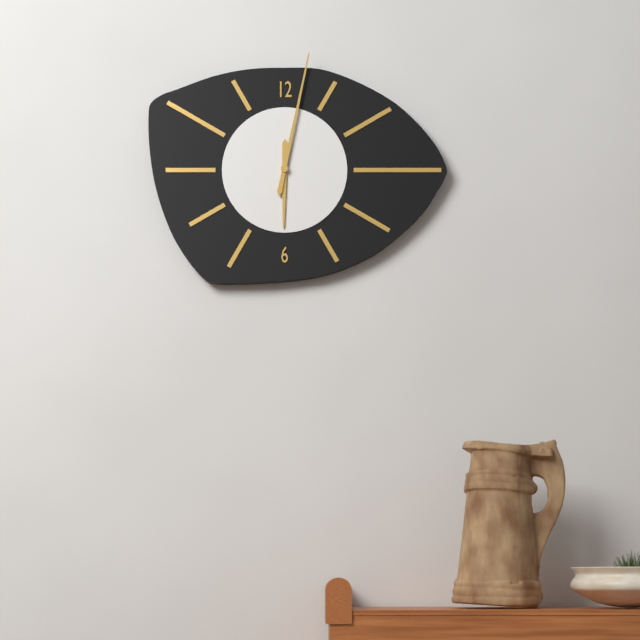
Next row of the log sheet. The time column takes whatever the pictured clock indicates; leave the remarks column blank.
6:02
